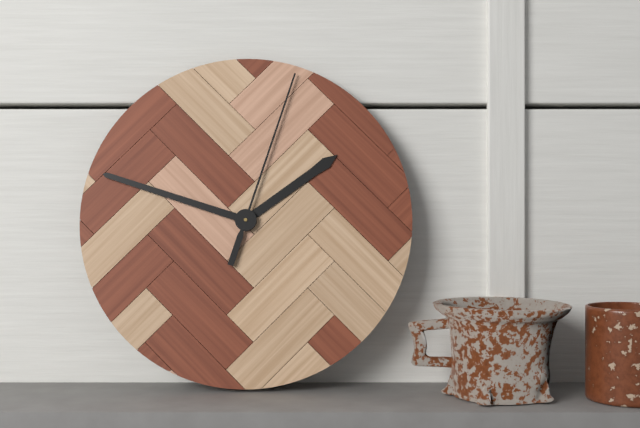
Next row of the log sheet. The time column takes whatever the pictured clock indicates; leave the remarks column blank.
1:48:03
